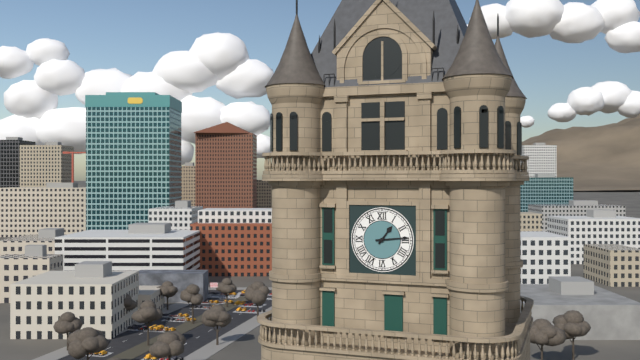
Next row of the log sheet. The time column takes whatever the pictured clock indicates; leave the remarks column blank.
1:14
